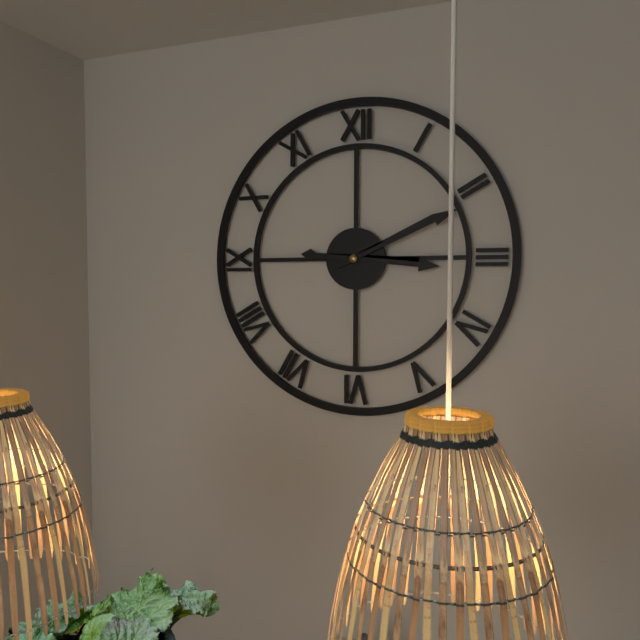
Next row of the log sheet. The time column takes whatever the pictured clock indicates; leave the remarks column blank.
3:11
